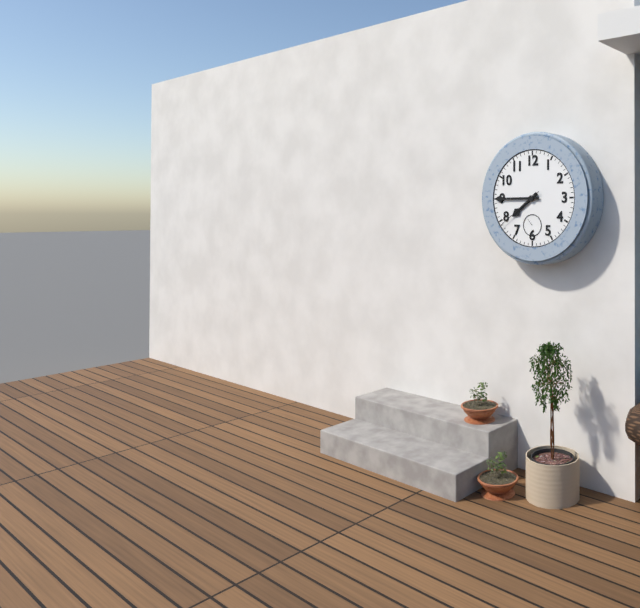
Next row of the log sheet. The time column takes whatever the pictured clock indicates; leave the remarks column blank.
7:45:39
